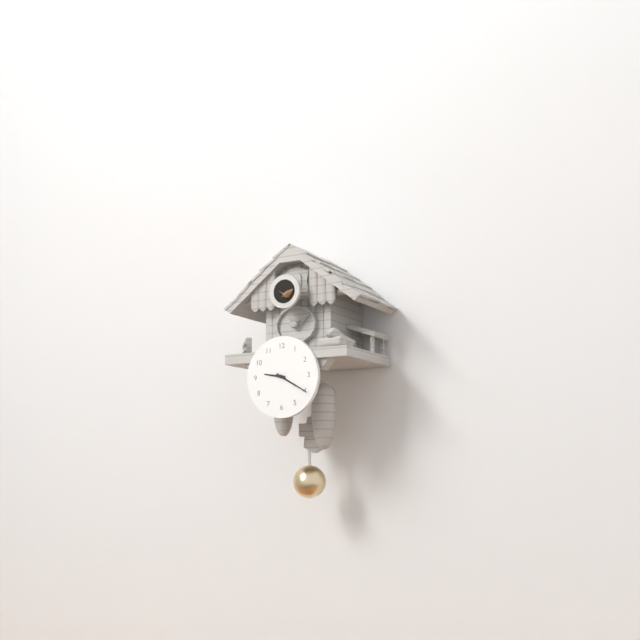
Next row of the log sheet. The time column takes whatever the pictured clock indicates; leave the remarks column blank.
9:20
